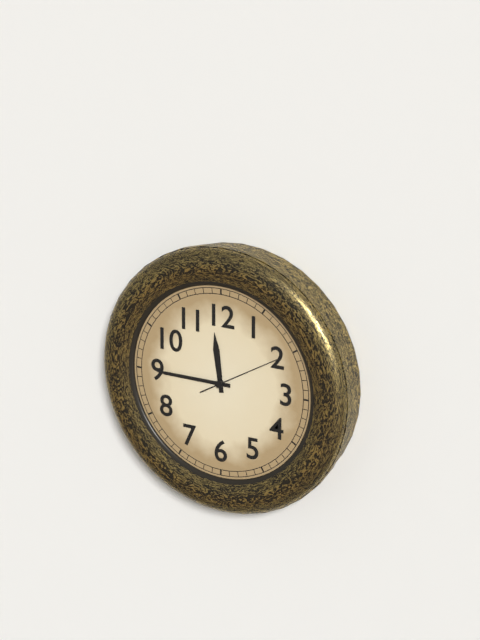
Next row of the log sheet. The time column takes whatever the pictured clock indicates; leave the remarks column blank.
11:45:10
